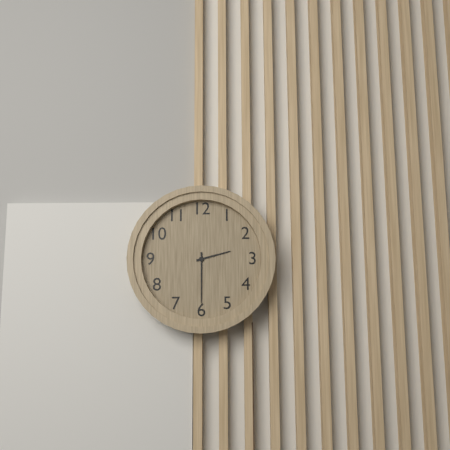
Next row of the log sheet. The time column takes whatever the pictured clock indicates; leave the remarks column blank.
2:30
